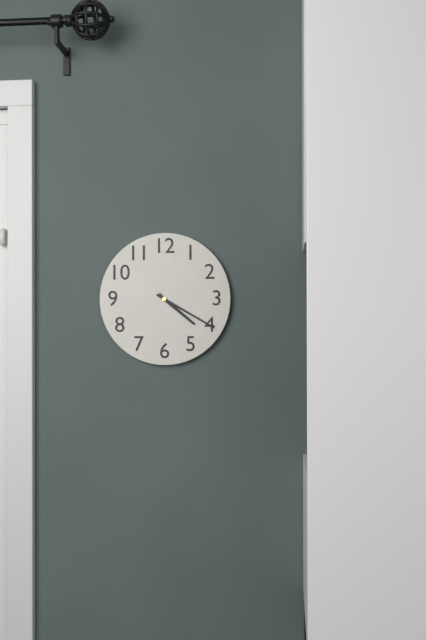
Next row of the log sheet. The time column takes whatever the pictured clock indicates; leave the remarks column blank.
4:20
